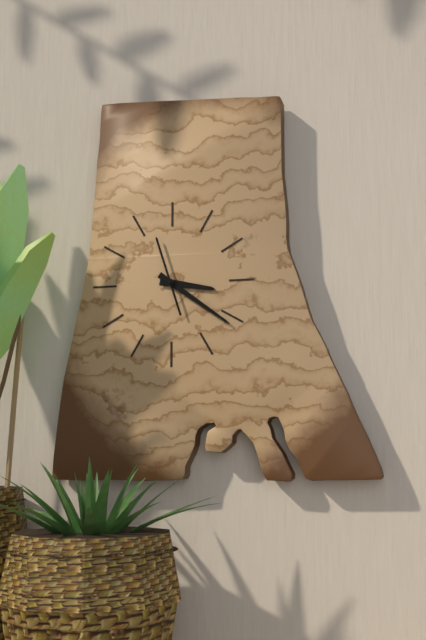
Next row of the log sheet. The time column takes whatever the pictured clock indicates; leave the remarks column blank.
3:21:57
